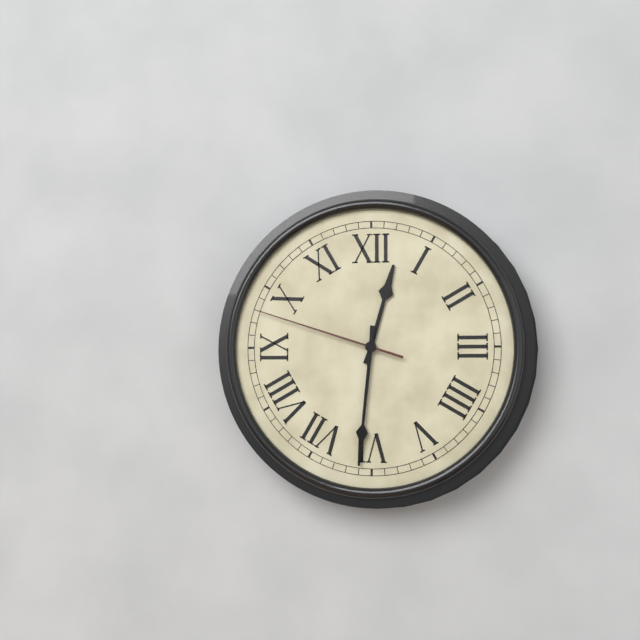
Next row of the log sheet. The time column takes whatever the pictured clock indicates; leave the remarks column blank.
12:31:48
